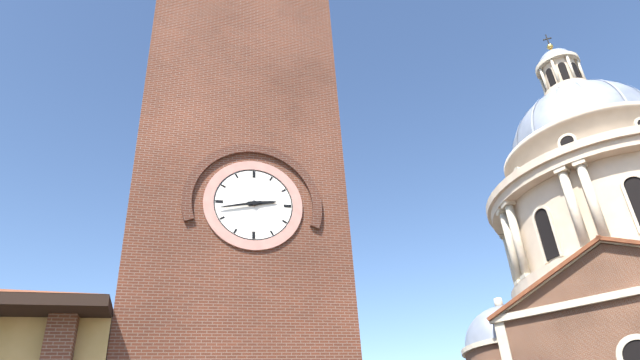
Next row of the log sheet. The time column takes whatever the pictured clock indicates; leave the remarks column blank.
2:43
